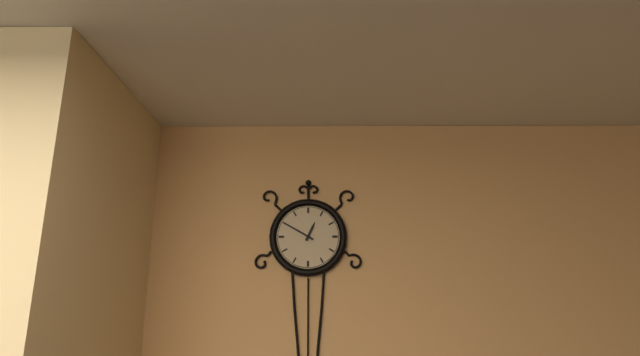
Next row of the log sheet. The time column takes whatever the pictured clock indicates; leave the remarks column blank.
12:50
